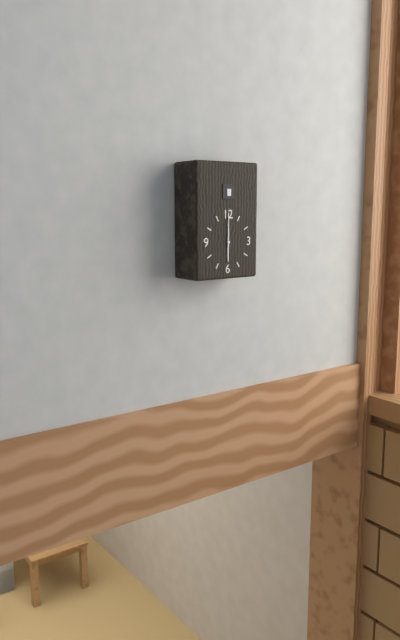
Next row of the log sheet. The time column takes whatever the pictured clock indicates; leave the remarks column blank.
6:00
